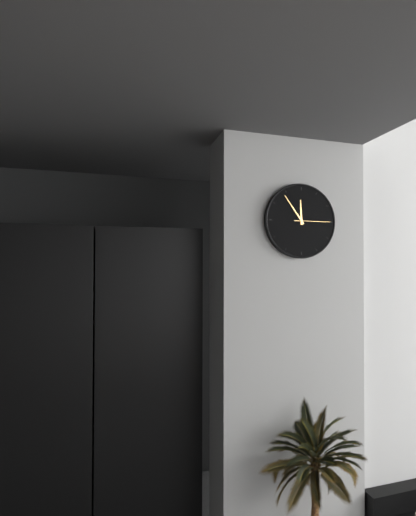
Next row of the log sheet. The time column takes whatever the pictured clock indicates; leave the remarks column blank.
11:54
